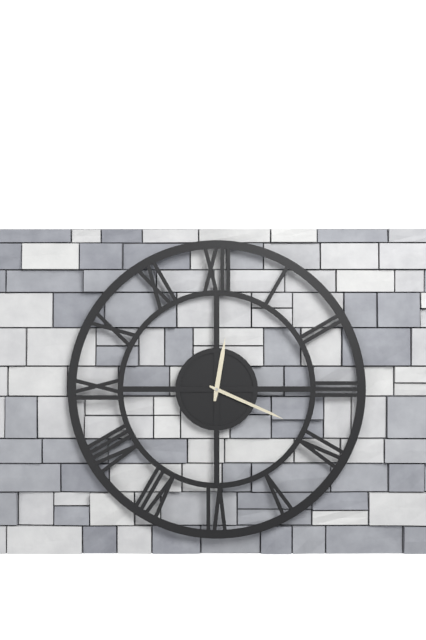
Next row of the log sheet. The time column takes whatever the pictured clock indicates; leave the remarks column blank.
12:19
